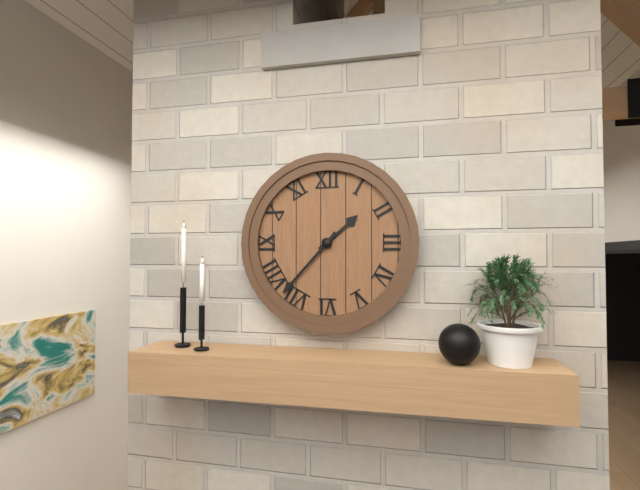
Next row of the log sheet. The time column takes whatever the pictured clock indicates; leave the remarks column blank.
1:37
